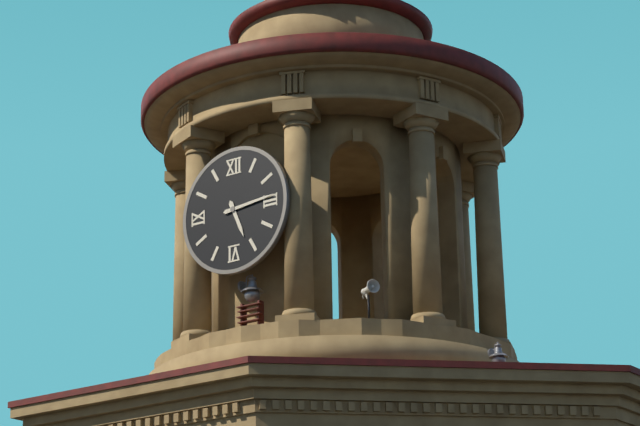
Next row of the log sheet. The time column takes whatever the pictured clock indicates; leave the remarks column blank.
5:14
